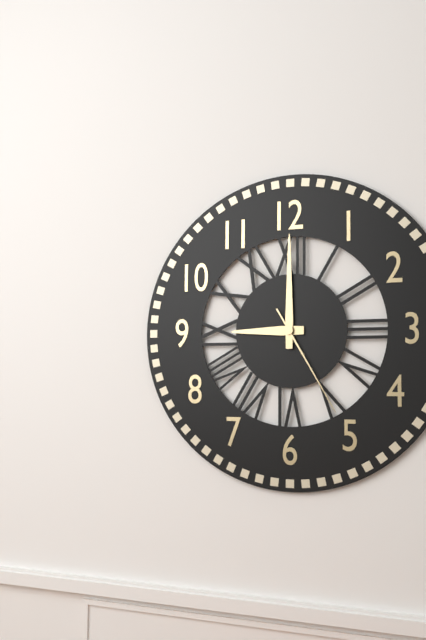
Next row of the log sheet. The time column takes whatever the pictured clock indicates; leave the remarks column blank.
9:00:25
